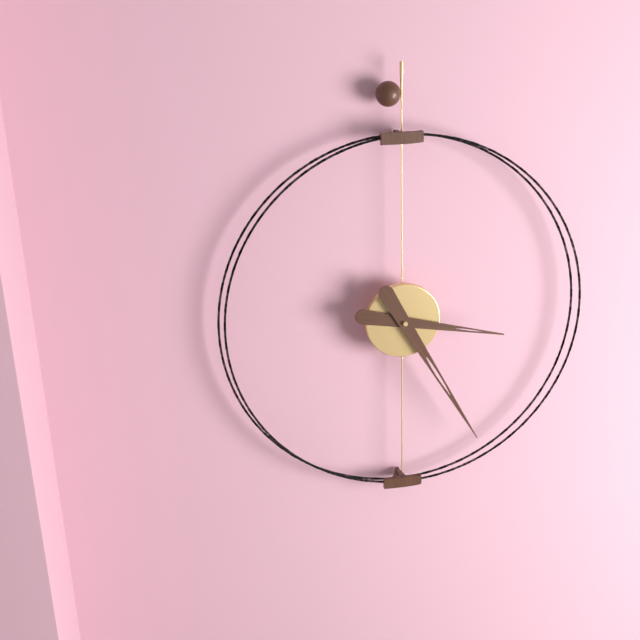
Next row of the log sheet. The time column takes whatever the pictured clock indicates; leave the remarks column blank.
3:25
